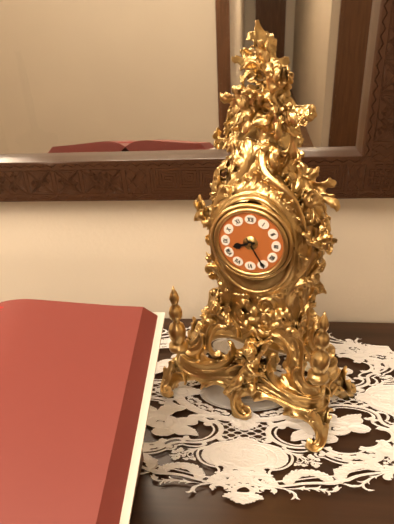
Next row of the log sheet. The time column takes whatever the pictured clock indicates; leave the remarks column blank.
8:25
